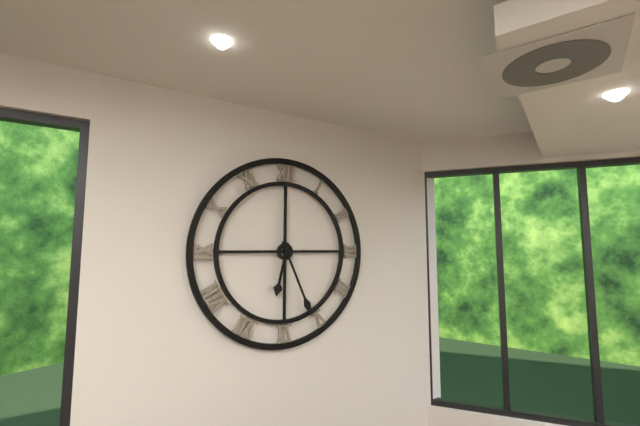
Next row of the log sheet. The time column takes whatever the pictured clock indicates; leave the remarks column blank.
6:26
